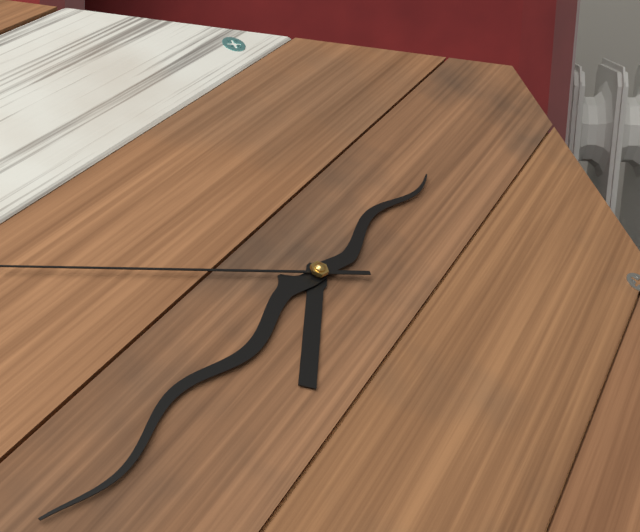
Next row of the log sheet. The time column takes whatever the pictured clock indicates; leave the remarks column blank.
6:38
